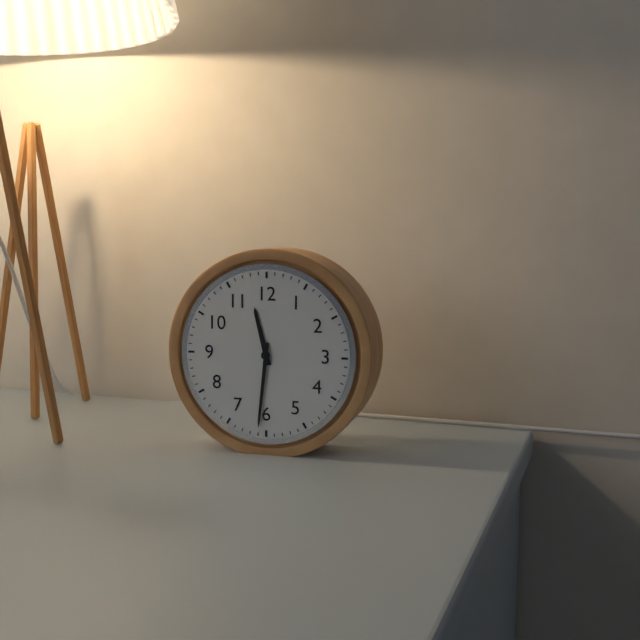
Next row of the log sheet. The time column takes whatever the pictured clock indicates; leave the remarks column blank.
11:31
